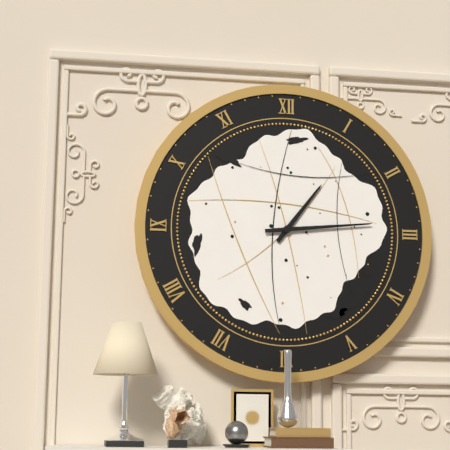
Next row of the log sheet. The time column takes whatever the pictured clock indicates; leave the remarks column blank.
1:14
